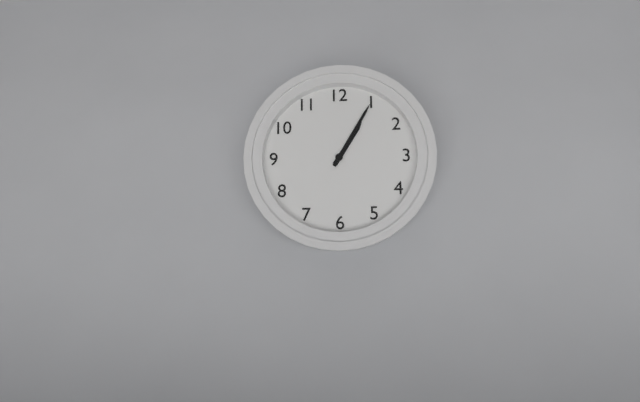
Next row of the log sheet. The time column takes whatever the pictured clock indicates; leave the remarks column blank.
1:05
